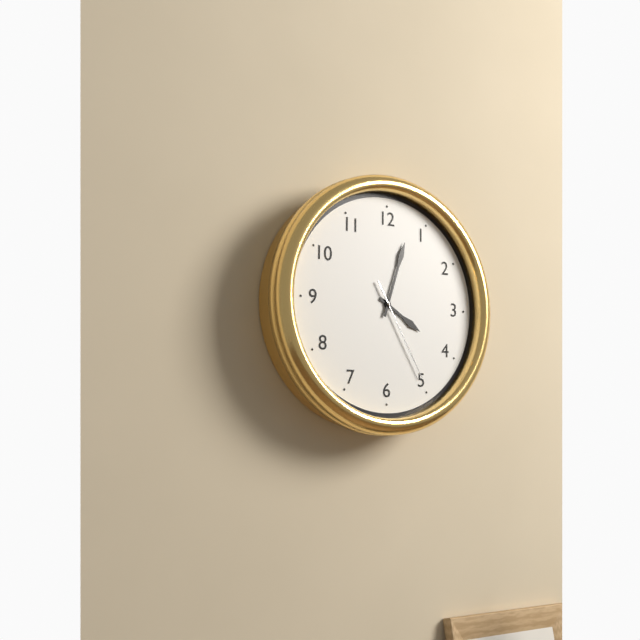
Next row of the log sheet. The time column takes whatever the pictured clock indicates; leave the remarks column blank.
4:03:25
